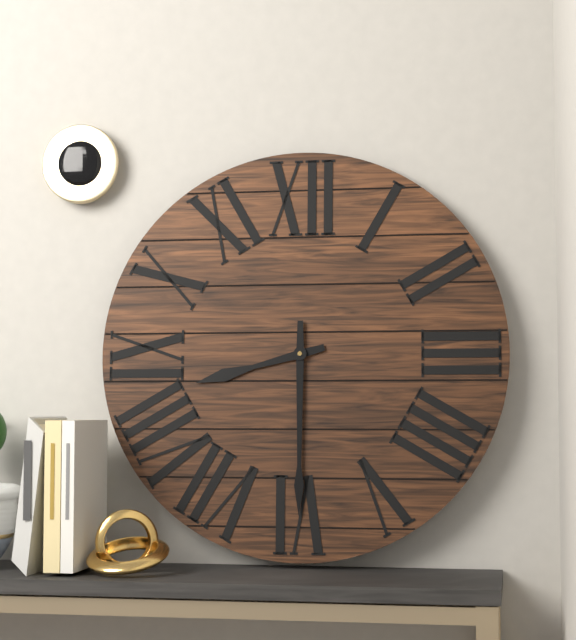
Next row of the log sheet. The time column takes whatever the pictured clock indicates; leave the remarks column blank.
8:30
